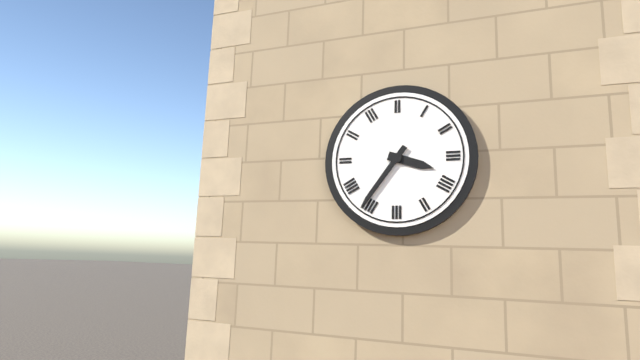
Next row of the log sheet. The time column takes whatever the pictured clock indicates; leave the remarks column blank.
3:36
